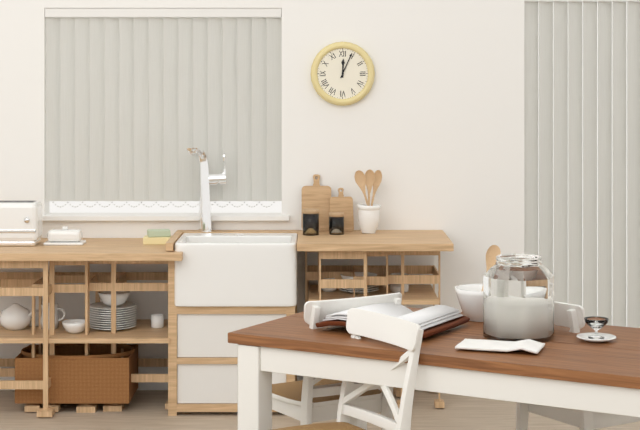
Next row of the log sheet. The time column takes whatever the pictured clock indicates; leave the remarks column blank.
12:04
